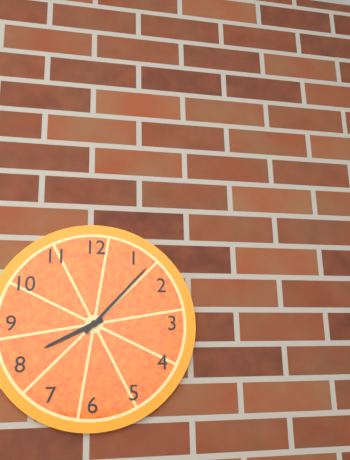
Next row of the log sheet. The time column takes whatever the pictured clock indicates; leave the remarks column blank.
8:07
